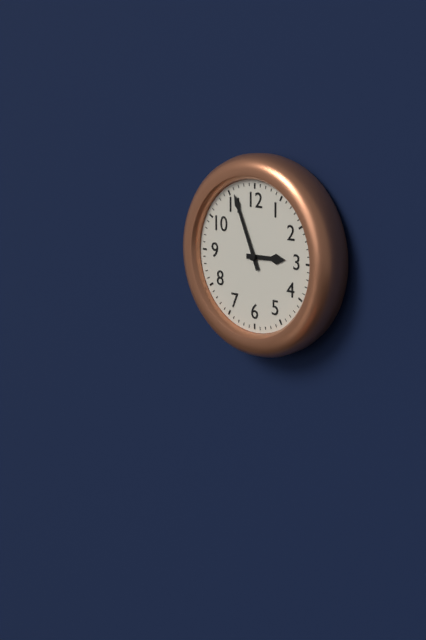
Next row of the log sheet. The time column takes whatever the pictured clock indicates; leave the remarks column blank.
2:56
